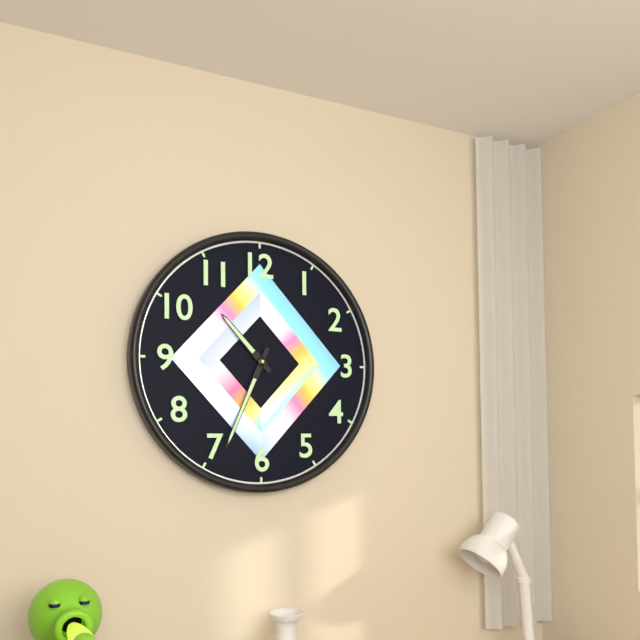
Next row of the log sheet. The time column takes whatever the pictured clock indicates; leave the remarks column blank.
10:34
